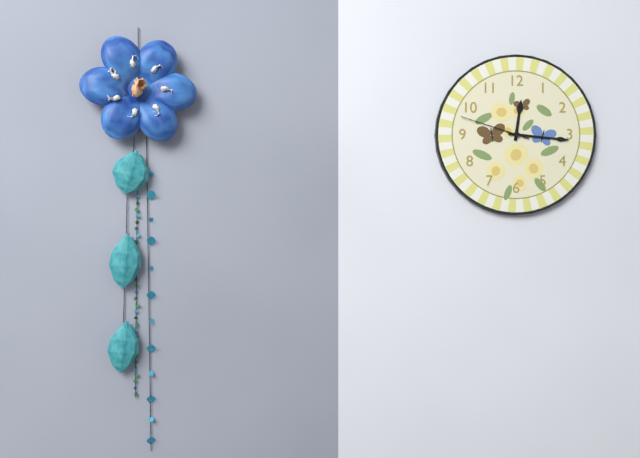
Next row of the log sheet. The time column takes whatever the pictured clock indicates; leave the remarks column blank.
12:16:48
